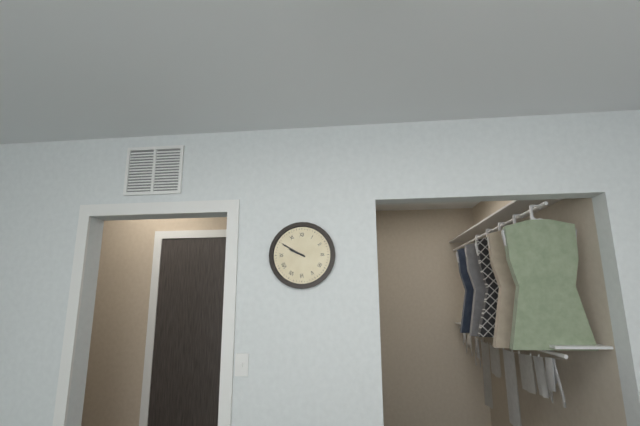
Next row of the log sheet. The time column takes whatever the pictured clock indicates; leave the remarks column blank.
9:50
